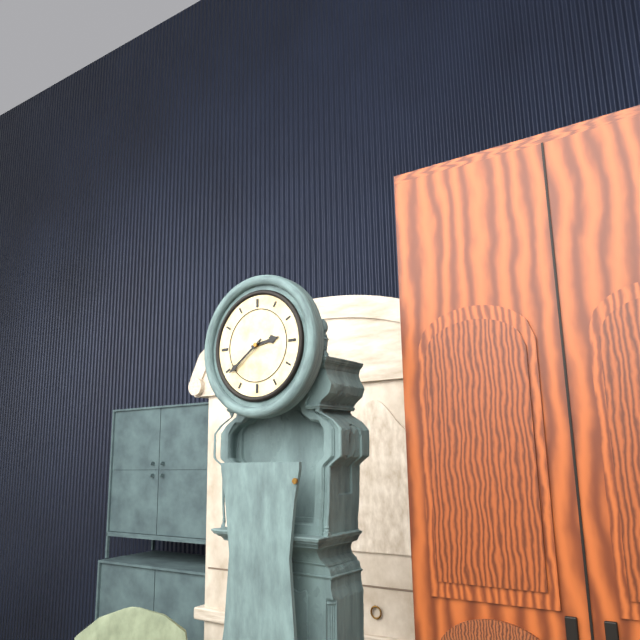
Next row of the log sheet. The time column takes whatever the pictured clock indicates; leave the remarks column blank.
2:39
